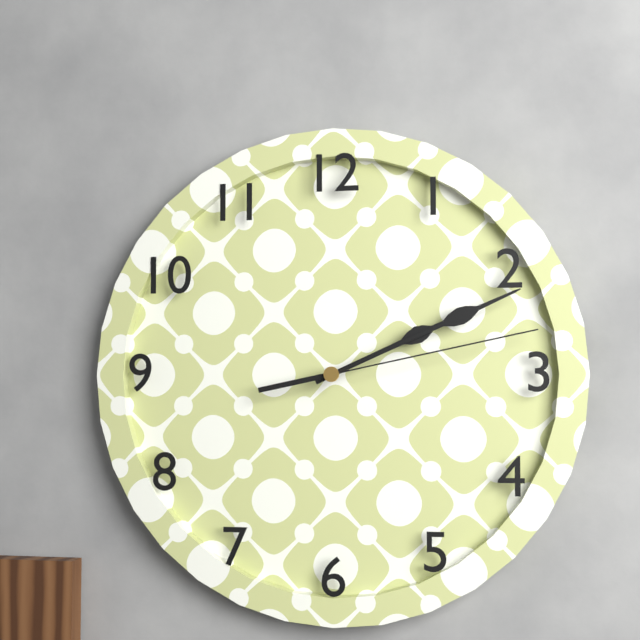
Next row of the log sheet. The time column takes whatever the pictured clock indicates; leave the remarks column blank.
2:11:13
